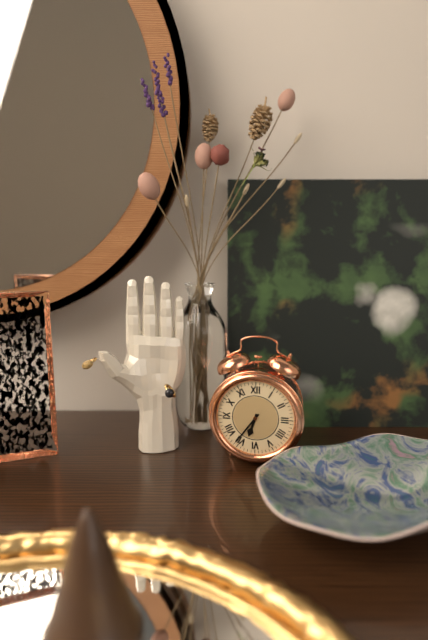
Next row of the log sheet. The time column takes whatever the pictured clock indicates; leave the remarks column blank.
6:36
